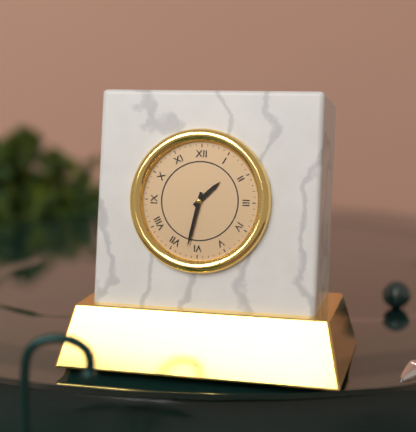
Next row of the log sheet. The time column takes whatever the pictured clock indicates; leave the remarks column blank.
1:32
